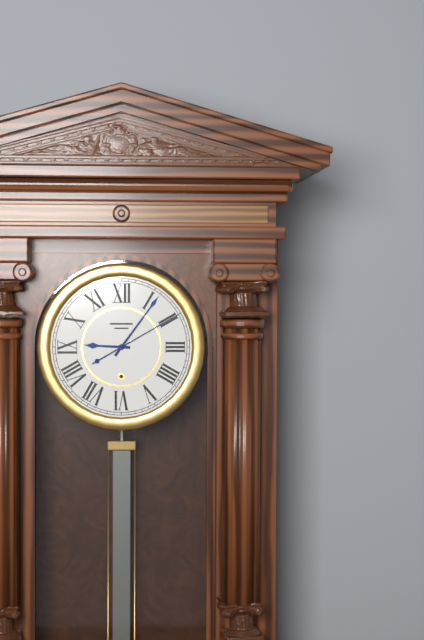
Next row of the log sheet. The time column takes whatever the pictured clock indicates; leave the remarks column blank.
9:06:10
